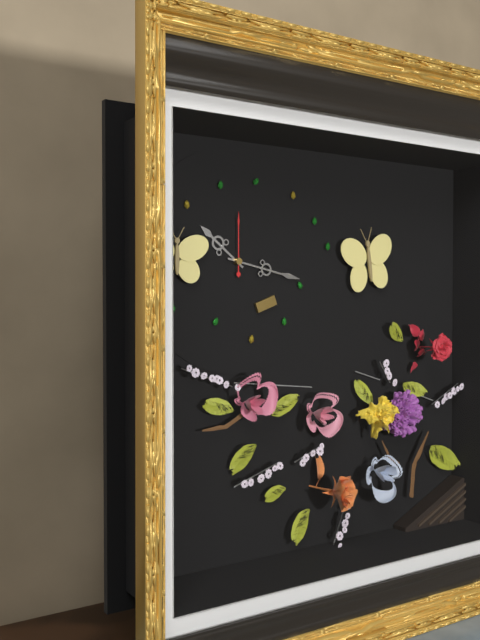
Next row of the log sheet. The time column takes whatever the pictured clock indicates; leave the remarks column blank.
10:17:00
